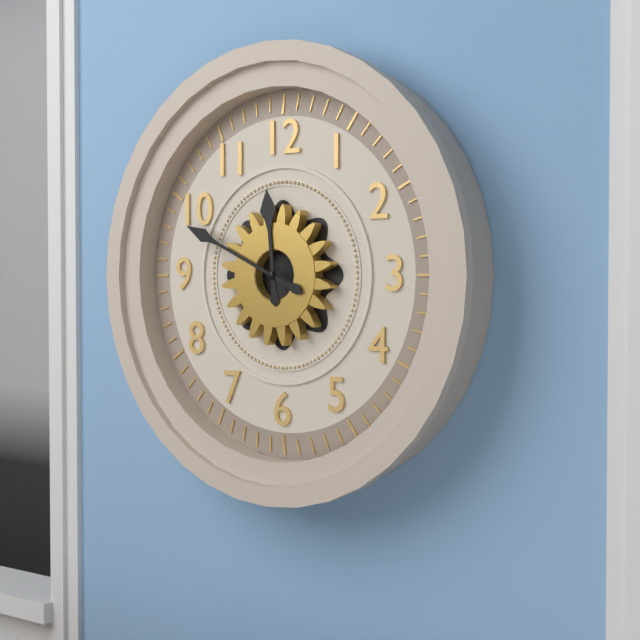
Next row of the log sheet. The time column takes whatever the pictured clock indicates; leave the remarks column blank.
11:49
